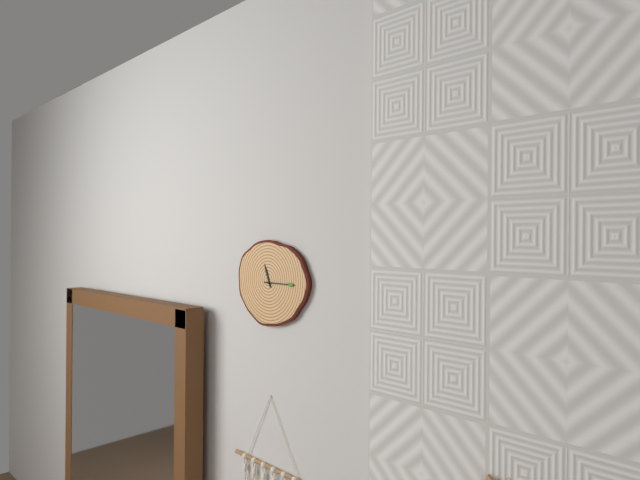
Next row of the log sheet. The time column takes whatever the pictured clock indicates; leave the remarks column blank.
11:15
